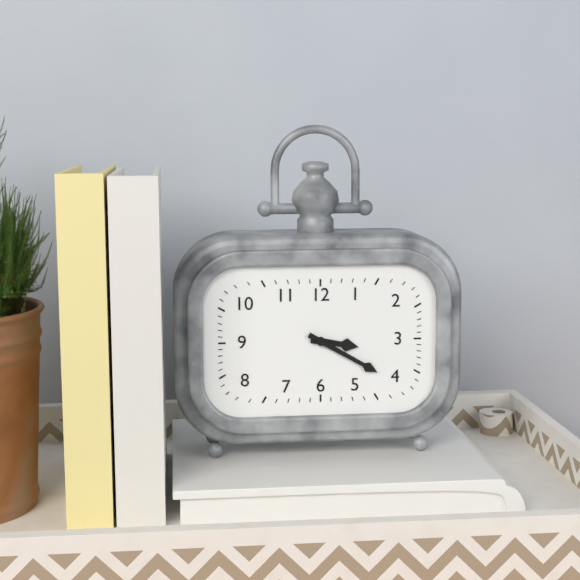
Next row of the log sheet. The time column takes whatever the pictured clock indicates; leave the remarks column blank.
3:20
